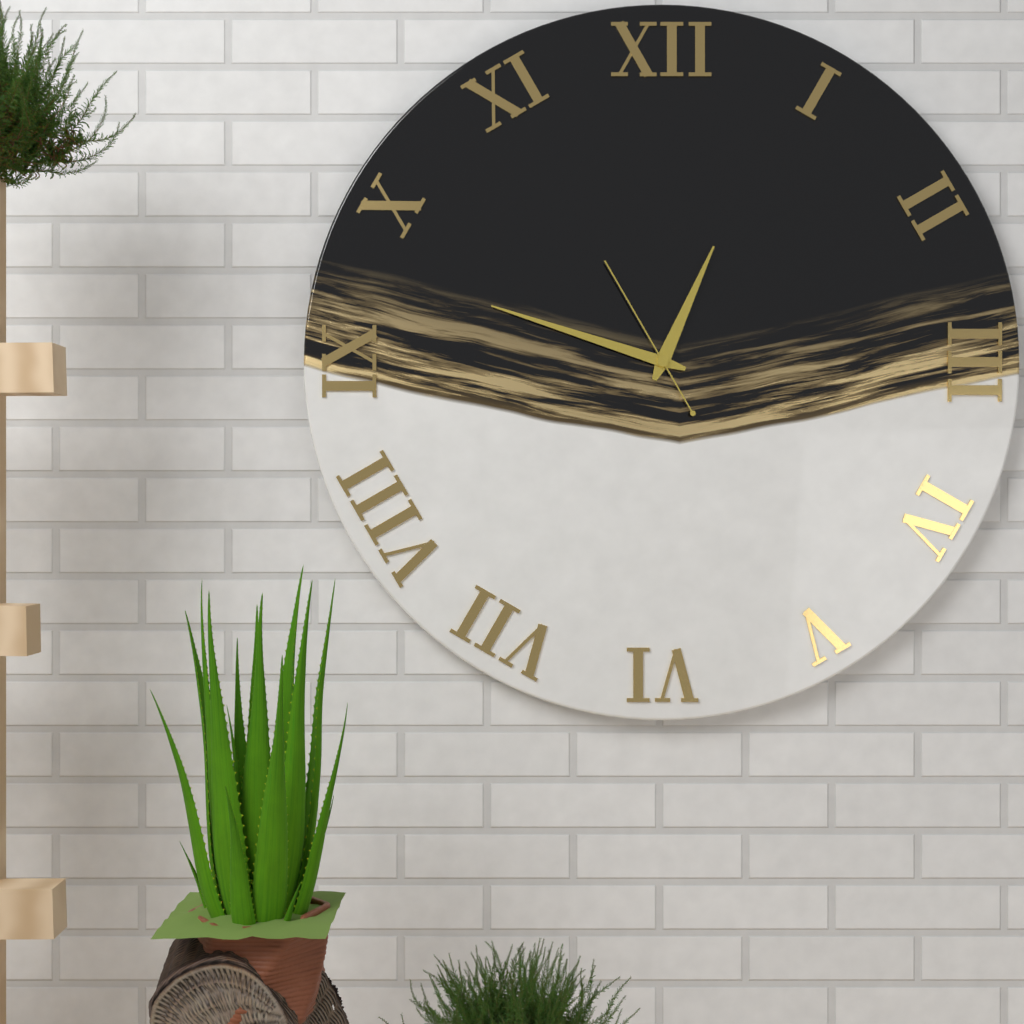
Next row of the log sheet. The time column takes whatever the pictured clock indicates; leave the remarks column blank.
12:48:55
